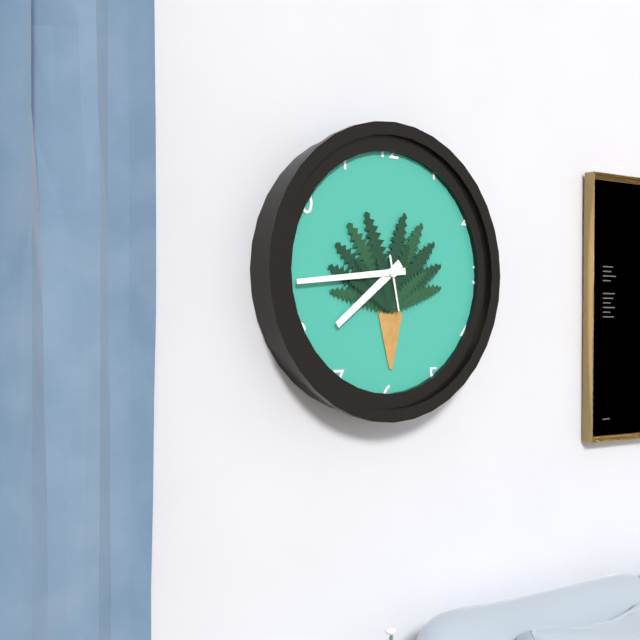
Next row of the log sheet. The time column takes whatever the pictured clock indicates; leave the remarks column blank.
7:44:28
